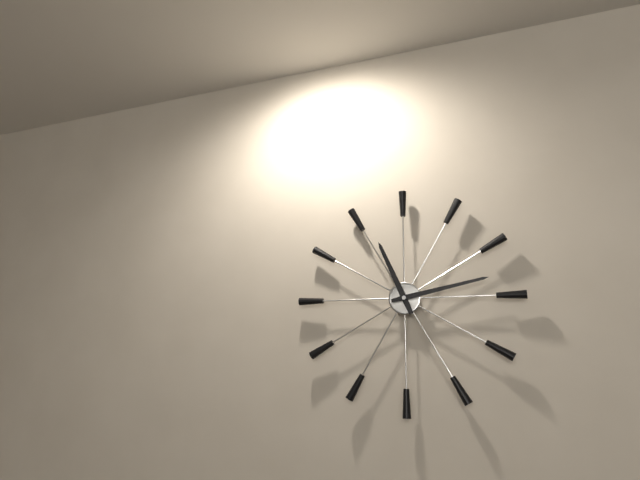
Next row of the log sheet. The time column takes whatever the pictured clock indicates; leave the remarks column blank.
11:13
